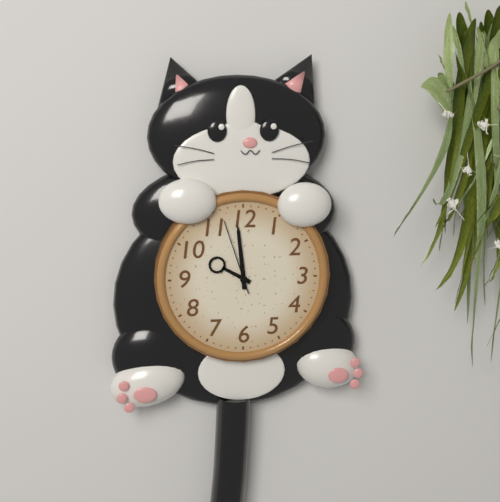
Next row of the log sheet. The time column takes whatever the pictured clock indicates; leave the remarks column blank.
9:59:57
